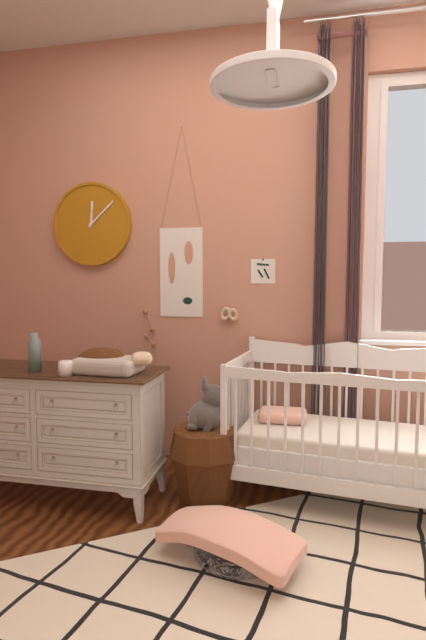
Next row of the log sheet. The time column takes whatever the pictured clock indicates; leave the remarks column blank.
12:08
